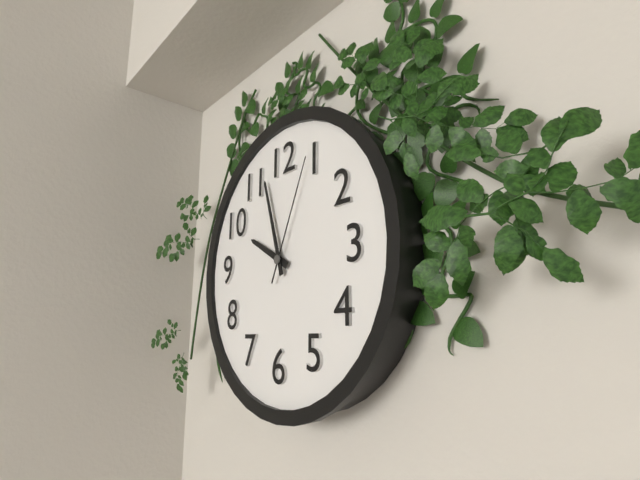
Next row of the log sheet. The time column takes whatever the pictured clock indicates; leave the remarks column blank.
9:57:04
